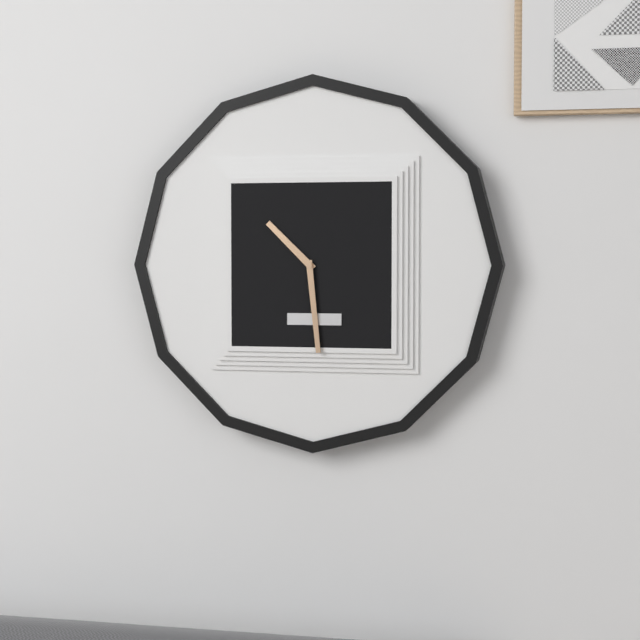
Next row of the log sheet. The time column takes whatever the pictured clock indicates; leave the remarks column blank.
10:29
